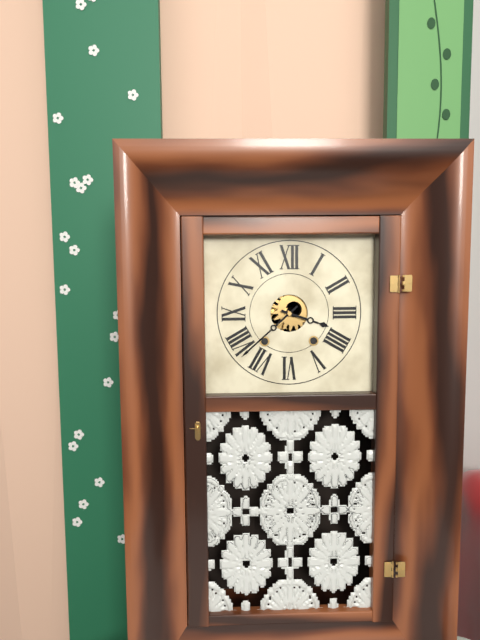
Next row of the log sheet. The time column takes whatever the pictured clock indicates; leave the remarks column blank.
3:38
